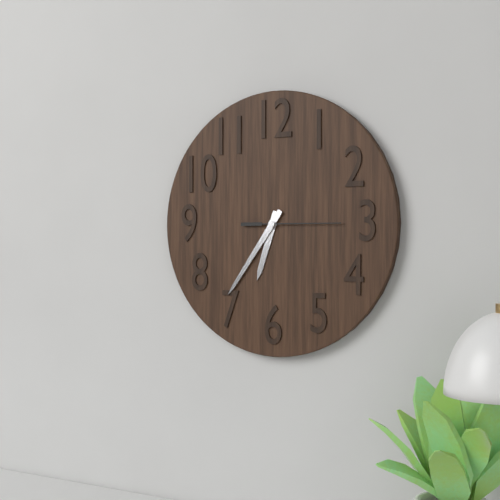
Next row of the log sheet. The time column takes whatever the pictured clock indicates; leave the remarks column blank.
6:36:15
